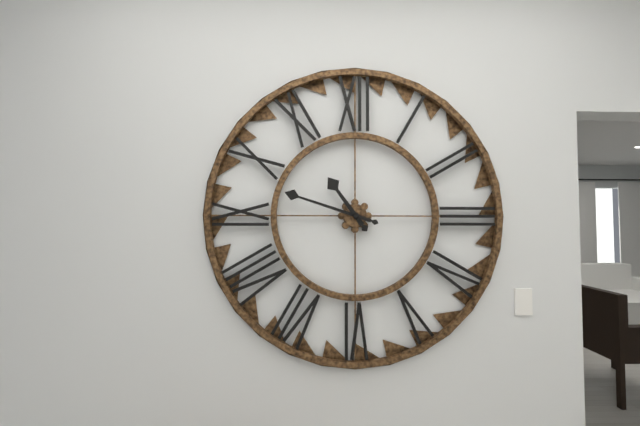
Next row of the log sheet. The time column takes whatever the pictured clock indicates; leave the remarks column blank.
10:48
